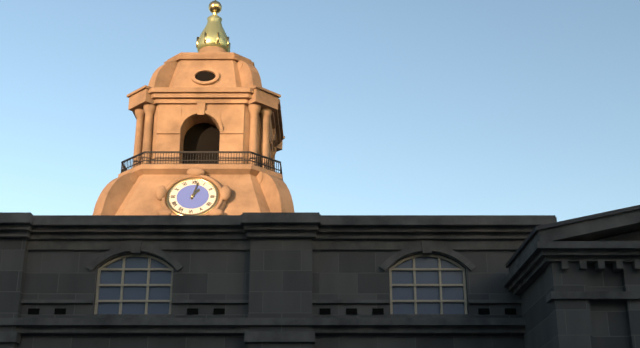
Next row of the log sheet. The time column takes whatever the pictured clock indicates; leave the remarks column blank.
1:02
